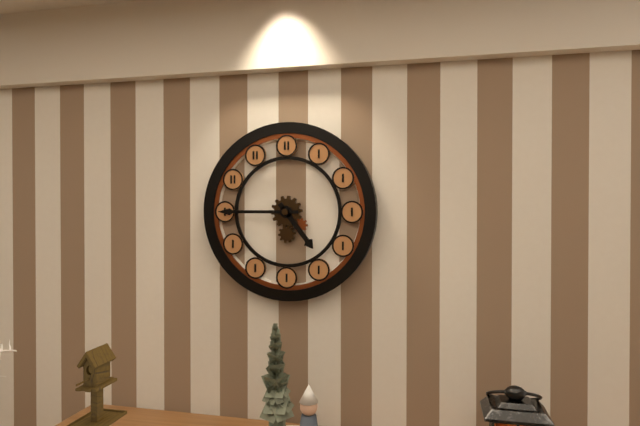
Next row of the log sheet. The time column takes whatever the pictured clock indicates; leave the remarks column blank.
4:45
